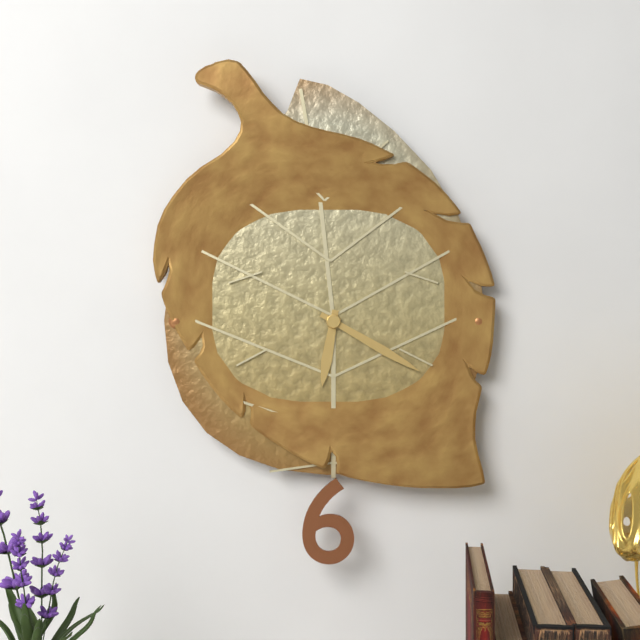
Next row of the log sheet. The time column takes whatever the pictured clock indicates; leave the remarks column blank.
6:20
